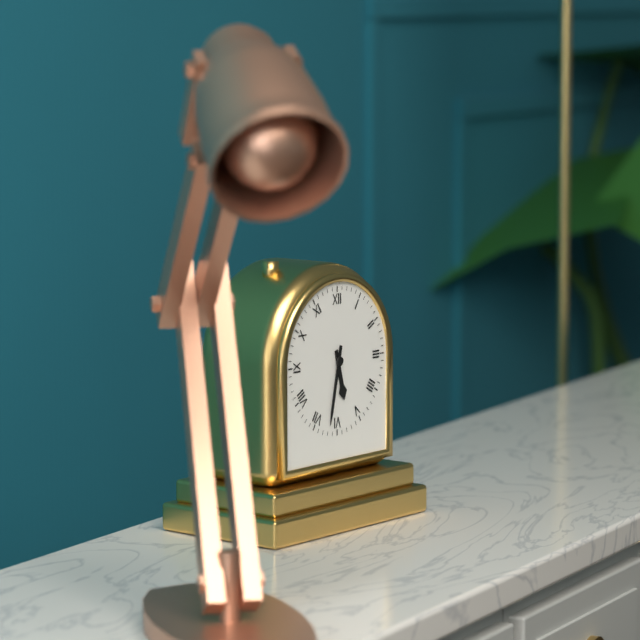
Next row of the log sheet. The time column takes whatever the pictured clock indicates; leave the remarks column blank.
5:32
